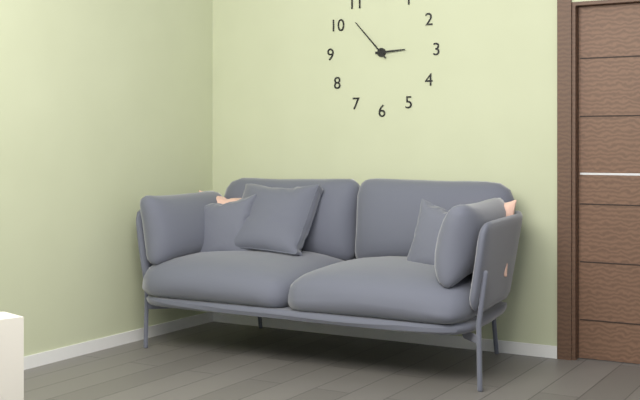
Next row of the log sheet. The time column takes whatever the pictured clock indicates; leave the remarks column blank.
2:53
